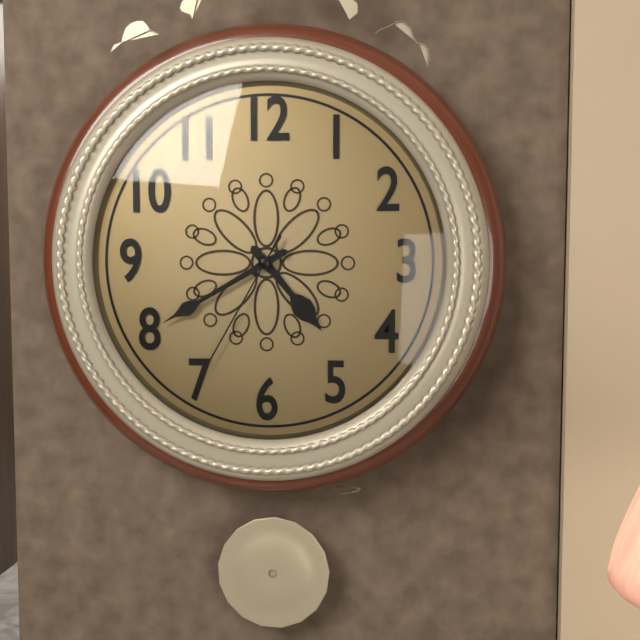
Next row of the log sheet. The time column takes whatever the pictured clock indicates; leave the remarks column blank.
4:40:35
